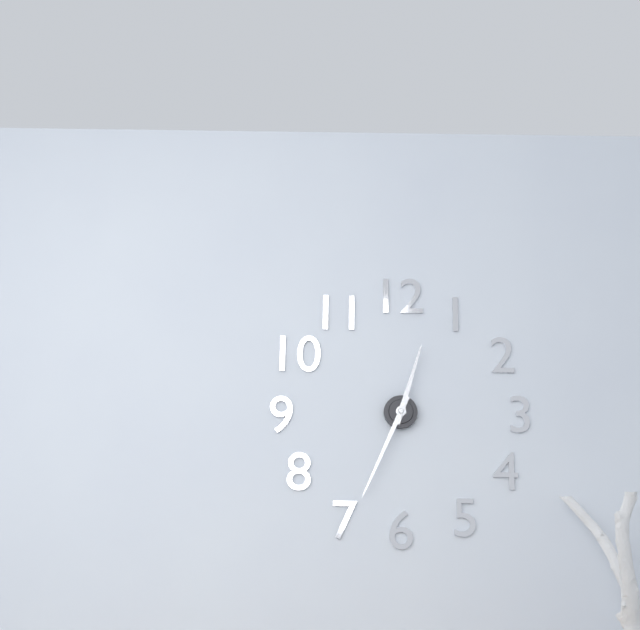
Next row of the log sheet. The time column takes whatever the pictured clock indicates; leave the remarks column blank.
12:34
